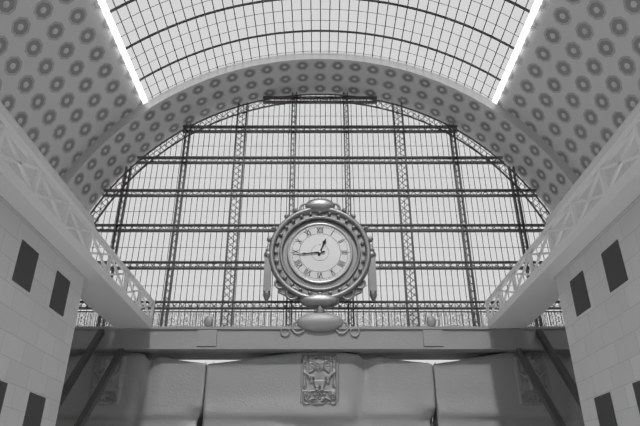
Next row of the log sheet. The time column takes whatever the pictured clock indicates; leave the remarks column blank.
12:44
